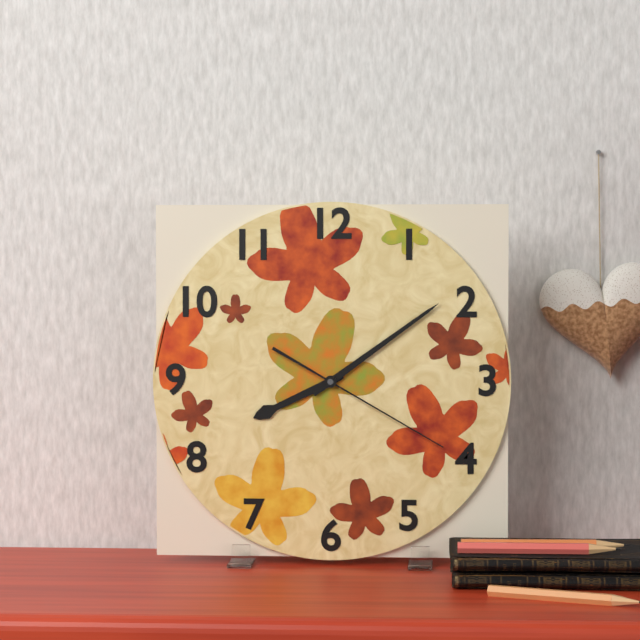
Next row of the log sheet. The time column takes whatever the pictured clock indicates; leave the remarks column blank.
8:09:20
